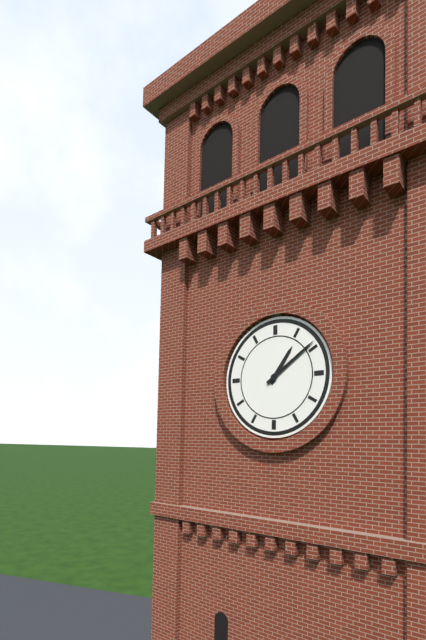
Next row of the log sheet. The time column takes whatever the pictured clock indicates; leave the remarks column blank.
1:09
